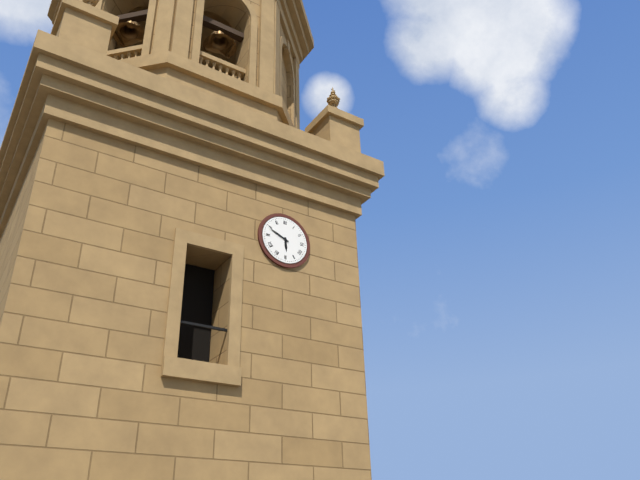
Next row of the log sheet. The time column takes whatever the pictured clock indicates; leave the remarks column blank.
5:49
